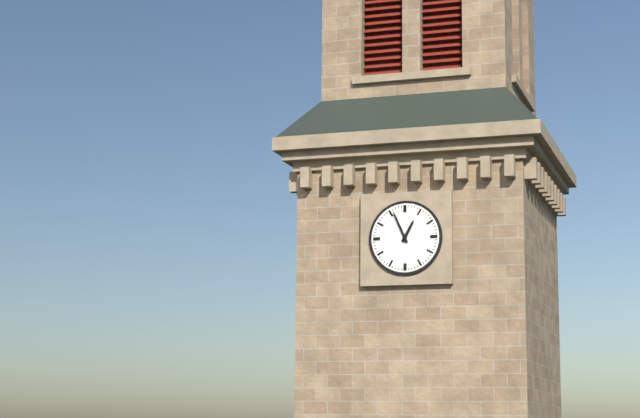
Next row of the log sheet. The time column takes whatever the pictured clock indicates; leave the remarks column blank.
12:56
